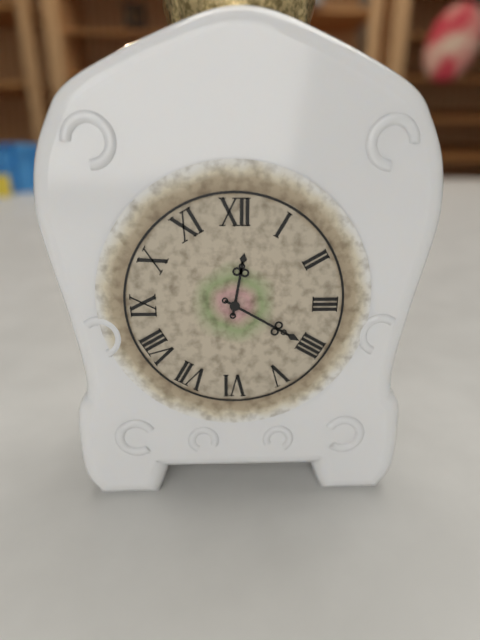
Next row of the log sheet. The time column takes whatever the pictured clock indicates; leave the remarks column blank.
12:20
